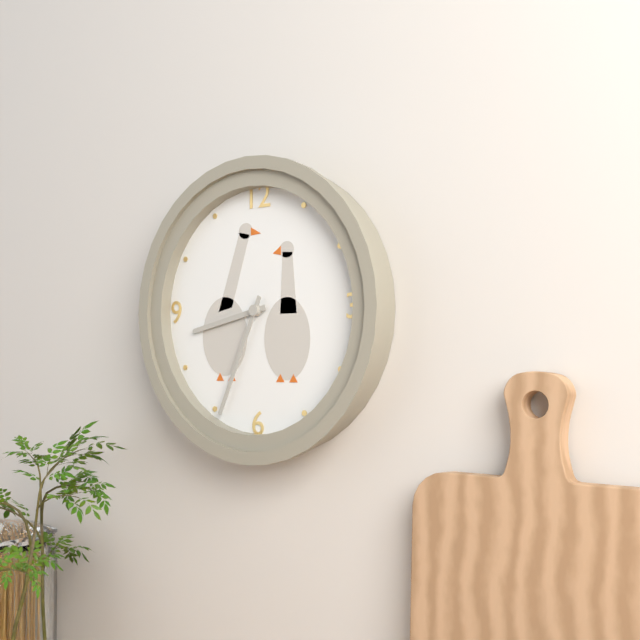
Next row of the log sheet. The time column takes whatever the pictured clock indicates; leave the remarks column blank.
8:34
